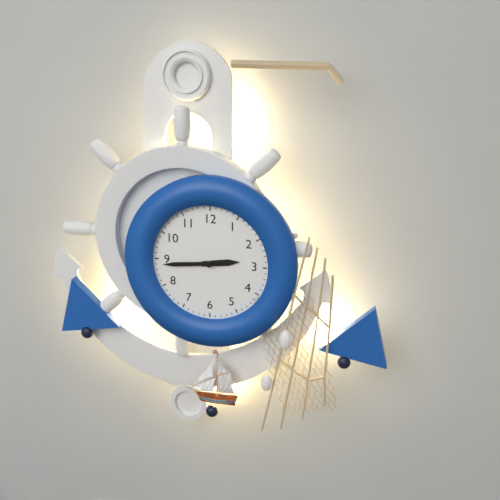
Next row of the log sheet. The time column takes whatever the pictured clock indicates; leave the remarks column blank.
2:44
